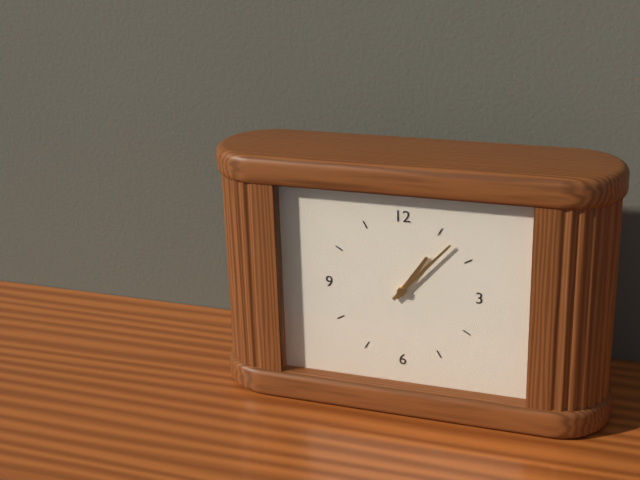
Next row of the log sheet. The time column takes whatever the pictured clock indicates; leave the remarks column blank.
1:07
